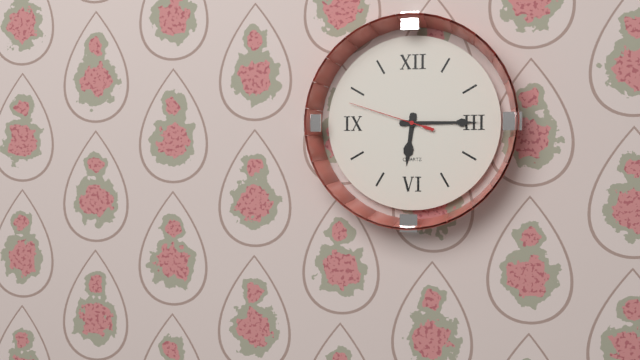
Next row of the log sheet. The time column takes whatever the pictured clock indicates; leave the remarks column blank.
6:15:48
